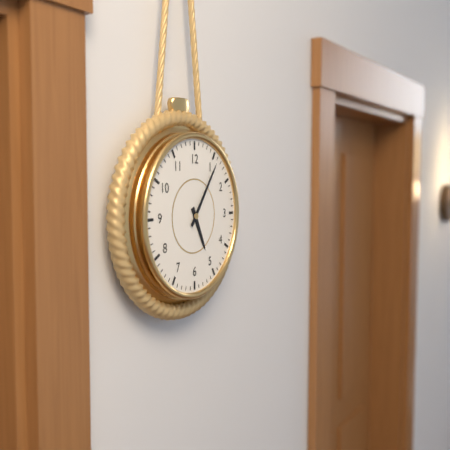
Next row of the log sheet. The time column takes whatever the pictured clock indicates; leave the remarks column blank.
5:06
